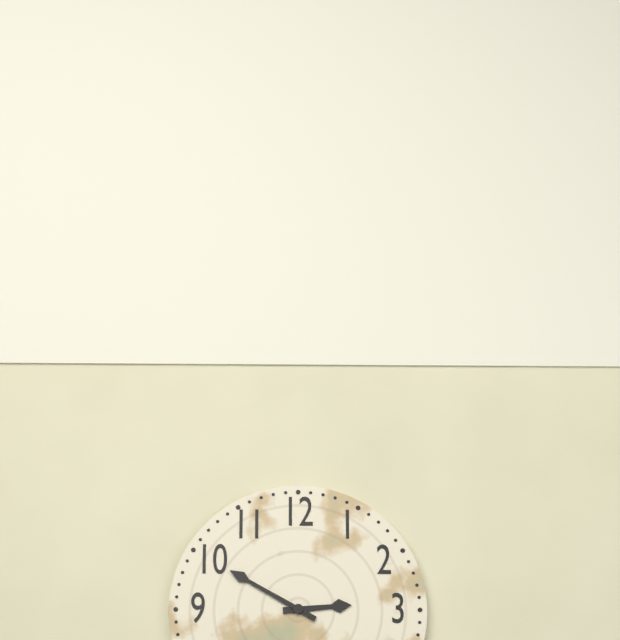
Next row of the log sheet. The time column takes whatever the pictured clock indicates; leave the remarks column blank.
2:50
